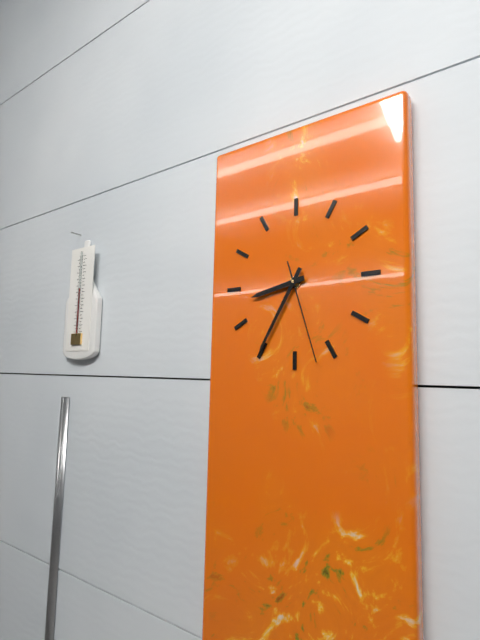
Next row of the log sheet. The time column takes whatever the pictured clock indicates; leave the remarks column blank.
8:35:27
